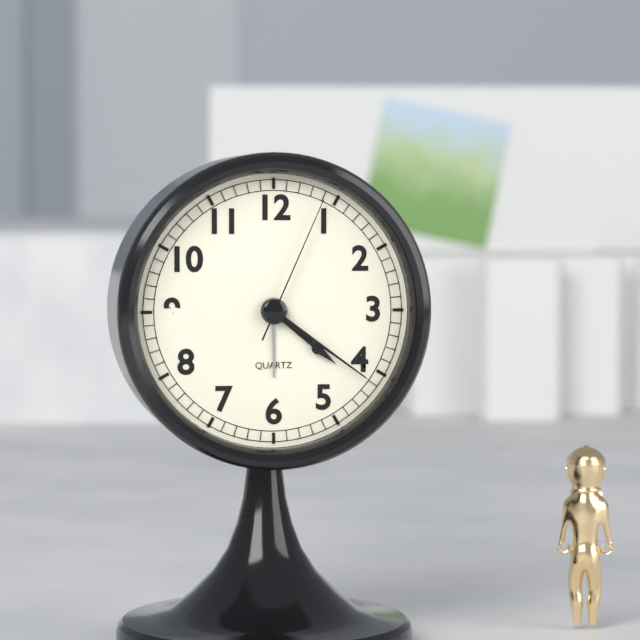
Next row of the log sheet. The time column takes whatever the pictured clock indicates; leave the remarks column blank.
4:21:04
